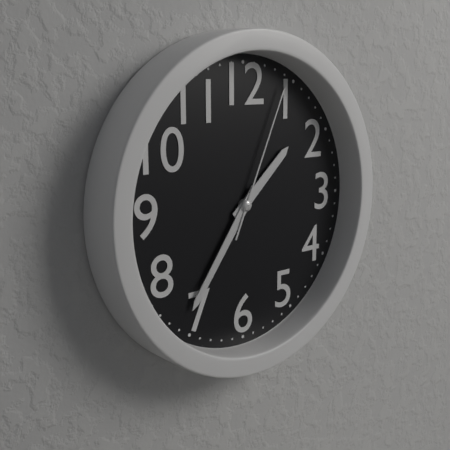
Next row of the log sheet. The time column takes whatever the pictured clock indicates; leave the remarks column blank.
1:36:04
